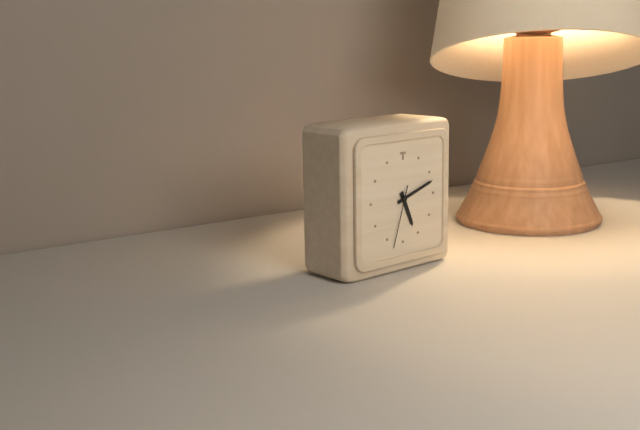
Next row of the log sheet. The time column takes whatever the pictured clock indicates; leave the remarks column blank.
5:12:33
